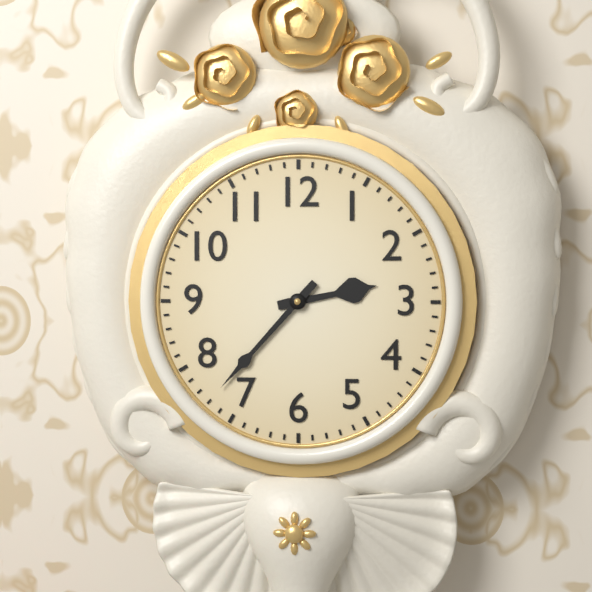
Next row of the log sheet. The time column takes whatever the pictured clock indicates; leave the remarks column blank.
2:37
